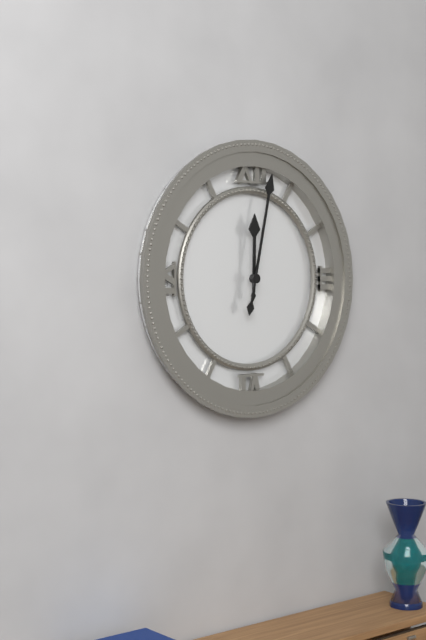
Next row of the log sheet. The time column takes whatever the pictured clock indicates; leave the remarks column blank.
12:02
